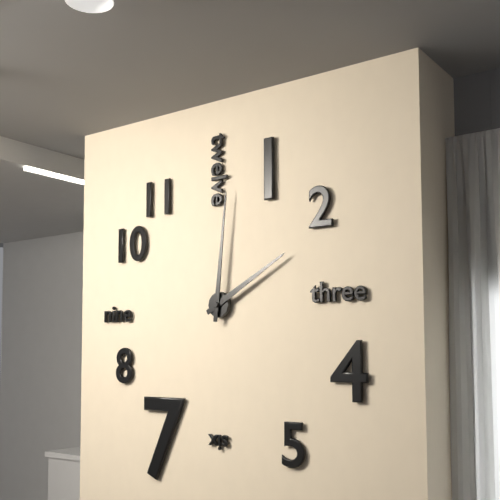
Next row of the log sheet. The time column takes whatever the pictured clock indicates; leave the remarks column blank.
2:01
